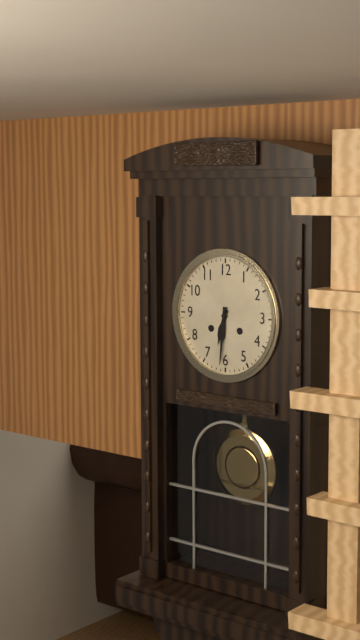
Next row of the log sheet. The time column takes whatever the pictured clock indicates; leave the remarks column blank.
6:31
